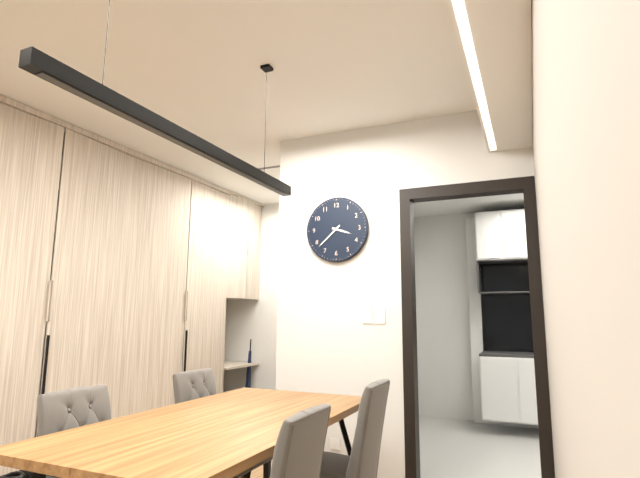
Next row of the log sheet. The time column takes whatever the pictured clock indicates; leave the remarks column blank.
3:38
